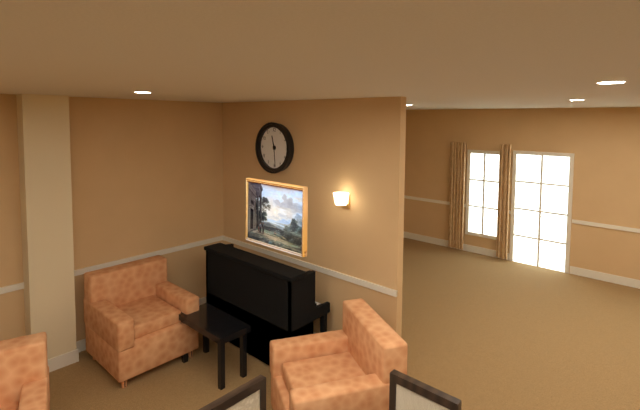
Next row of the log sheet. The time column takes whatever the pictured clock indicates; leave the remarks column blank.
11:29
